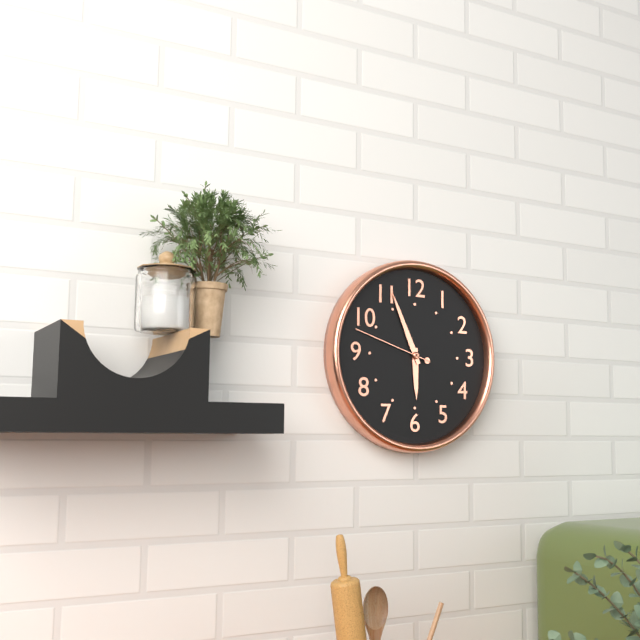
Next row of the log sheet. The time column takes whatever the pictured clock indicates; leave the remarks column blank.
5:56:48
